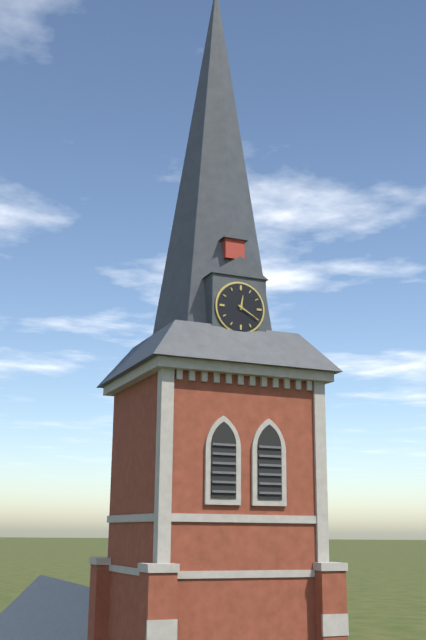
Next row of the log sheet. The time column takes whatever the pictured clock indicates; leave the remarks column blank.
12:20
